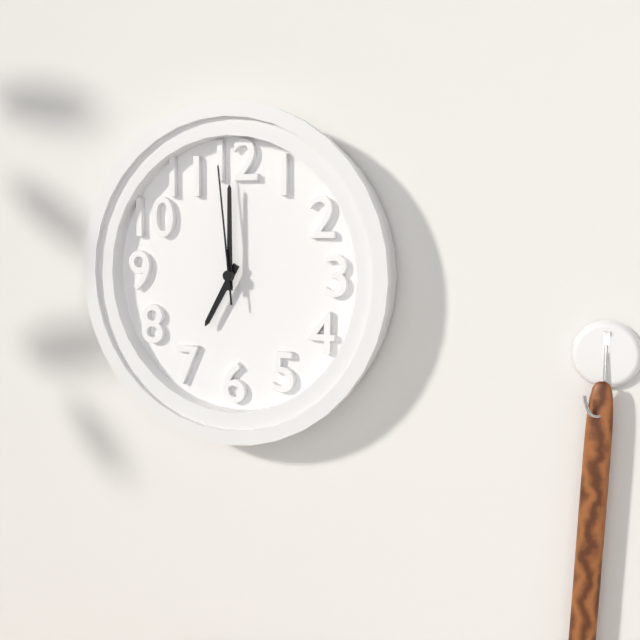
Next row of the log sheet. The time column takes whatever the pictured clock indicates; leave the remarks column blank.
7:00:59
